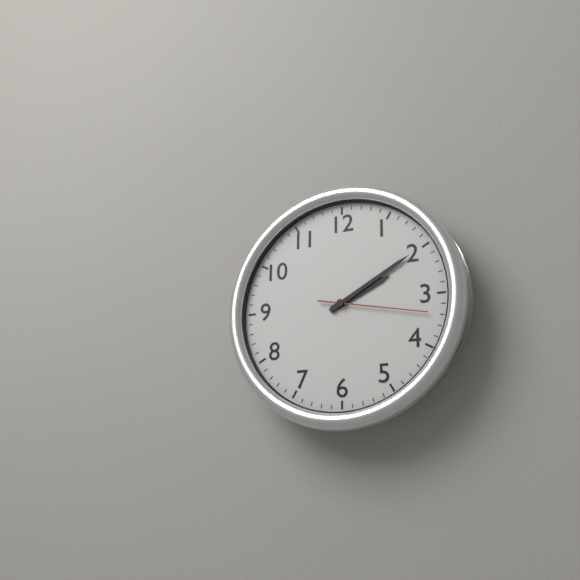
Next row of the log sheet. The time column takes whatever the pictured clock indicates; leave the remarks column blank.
2:10:17
